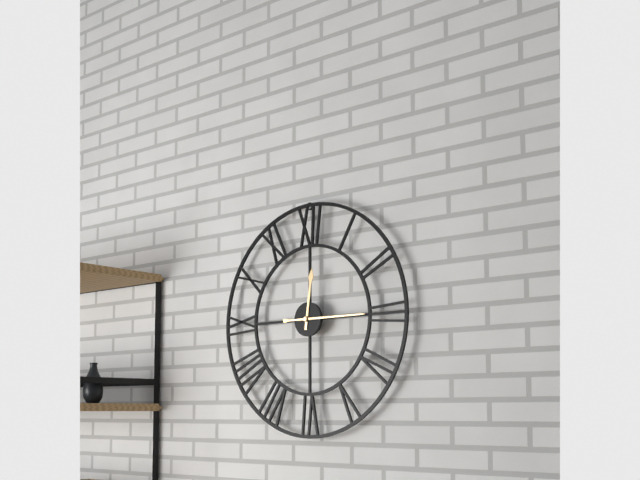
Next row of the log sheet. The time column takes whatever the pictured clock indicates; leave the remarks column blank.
12:15
